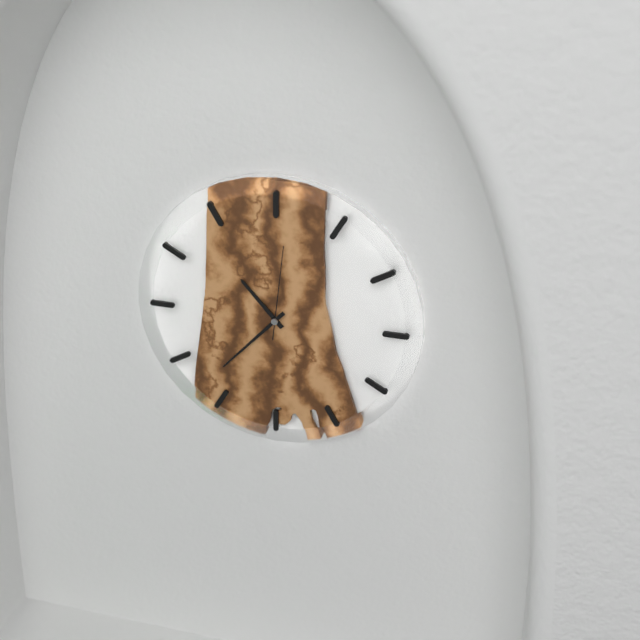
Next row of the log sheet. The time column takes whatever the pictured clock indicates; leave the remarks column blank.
10:37:01
